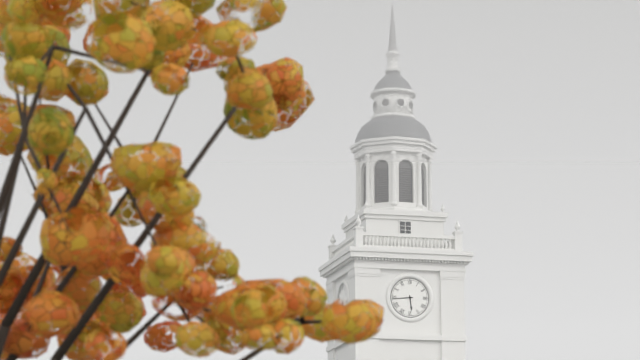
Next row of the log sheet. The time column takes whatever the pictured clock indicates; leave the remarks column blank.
5:44
